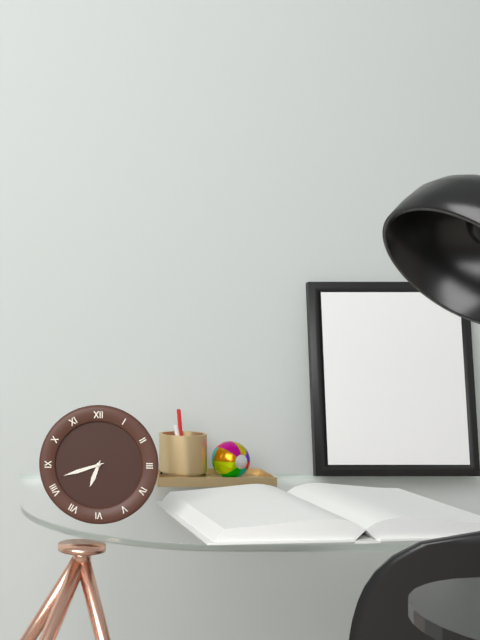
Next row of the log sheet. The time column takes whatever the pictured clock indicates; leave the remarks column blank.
6:42
